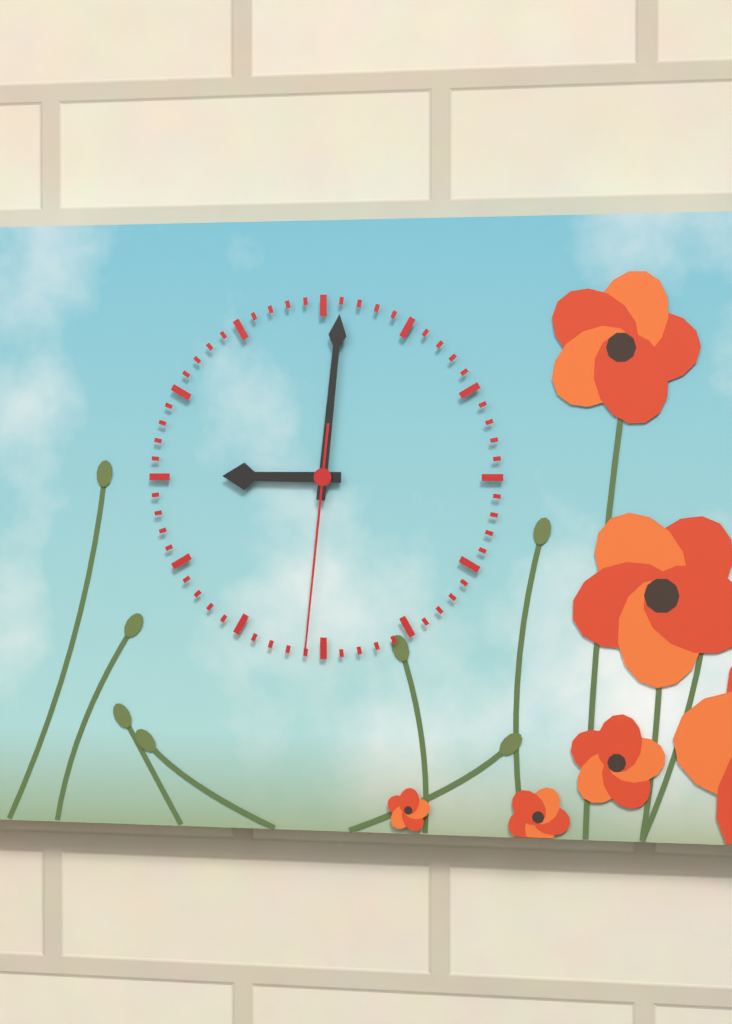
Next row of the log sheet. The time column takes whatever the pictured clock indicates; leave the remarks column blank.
9:01:31
